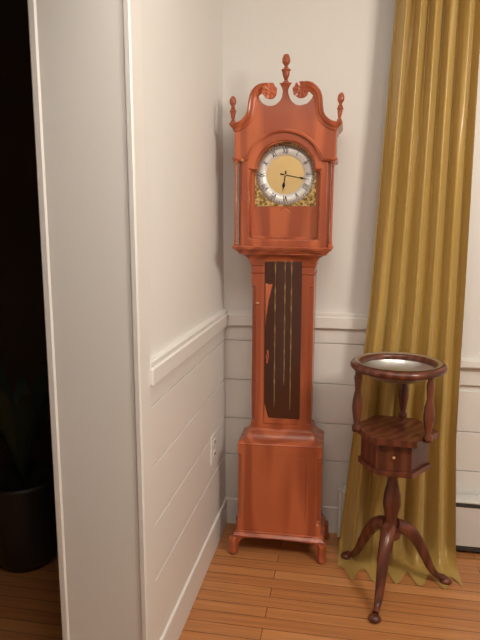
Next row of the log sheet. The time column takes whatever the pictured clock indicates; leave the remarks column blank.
6:17
